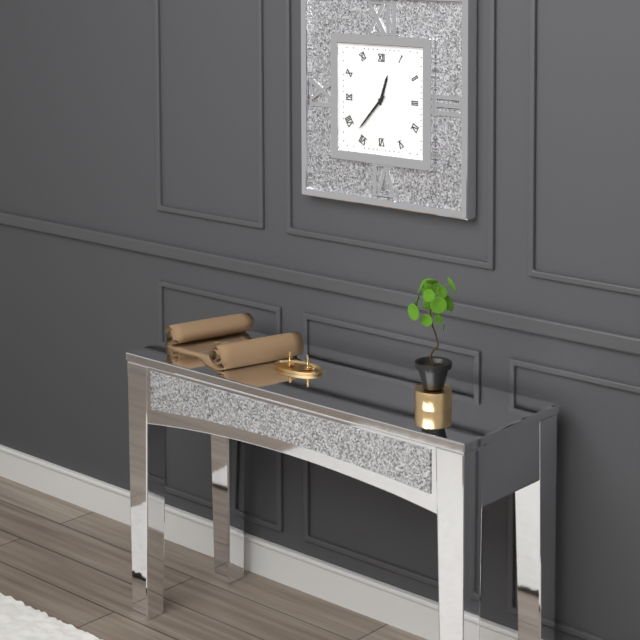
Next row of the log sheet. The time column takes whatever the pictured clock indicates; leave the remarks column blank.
12:37
